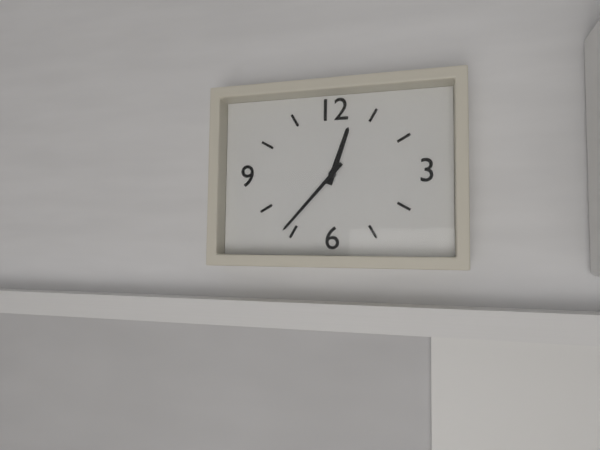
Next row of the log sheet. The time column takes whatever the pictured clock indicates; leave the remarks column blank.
12:37
